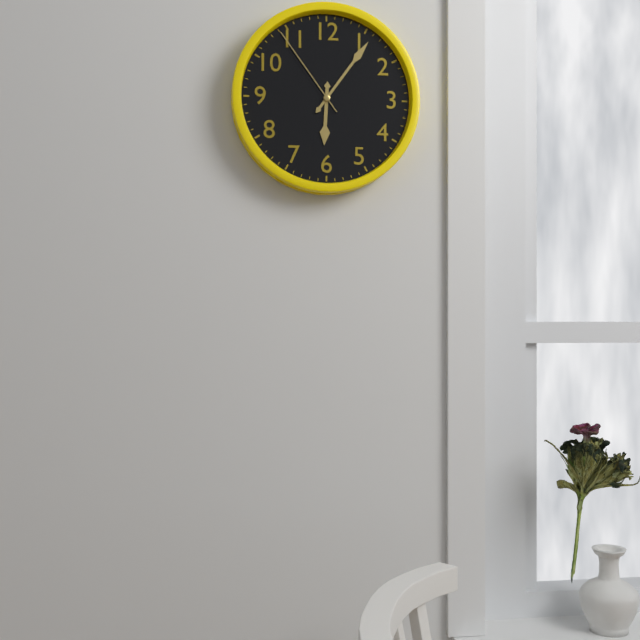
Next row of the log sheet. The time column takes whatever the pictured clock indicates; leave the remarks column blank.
6:06:54
